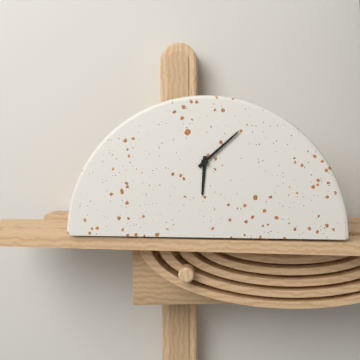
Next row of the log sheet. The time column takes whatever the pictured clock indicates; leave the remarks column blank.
6:08
